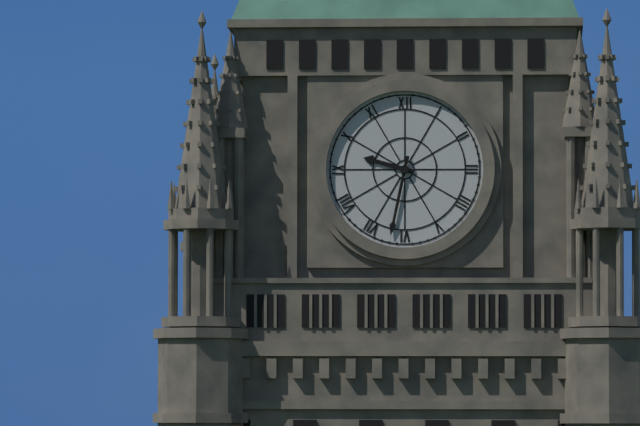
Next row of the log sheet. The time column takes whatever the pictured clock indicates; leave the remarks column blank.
9:32
